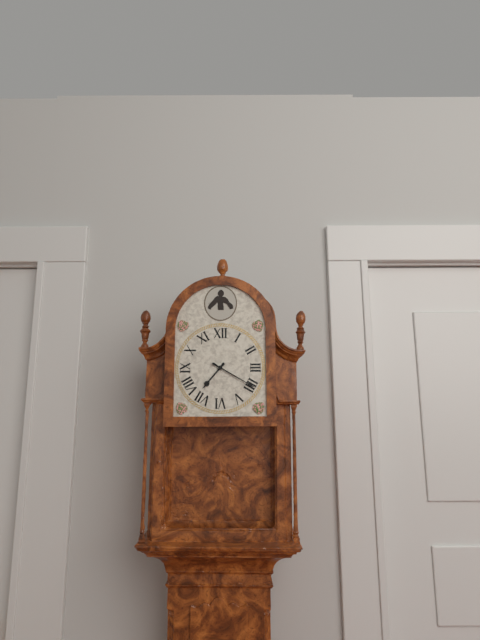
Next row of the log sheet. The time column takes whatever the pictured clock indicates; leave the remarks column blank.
7:20
